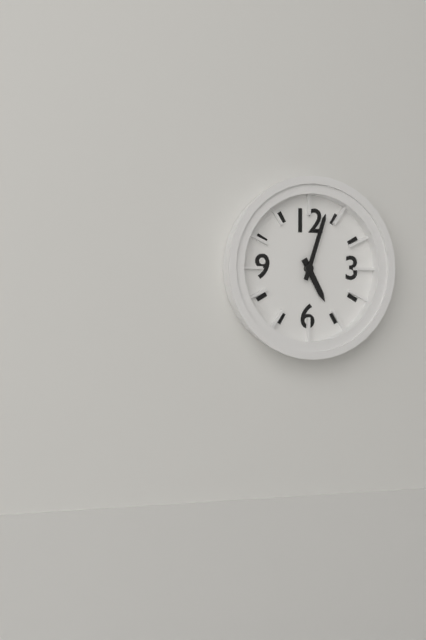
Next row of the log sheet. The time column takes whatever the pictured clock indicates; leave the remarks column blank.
5:03
